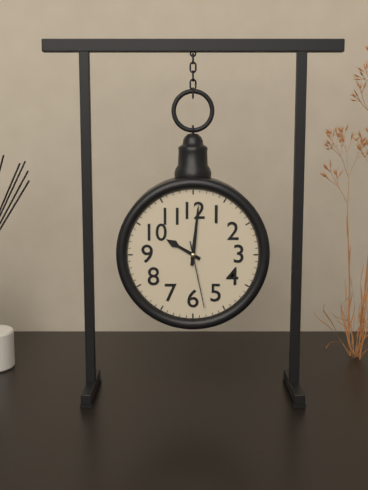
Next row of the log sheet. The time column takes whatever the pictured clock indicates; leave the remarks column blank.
10:01:28
